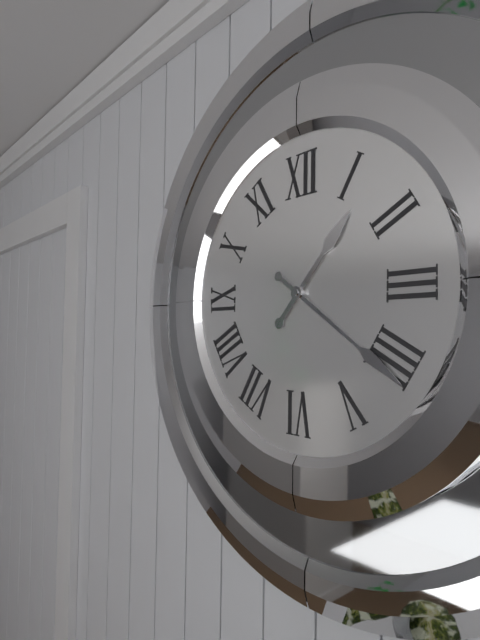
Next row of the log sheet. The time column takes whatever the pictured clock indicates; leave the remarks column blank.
1:21
